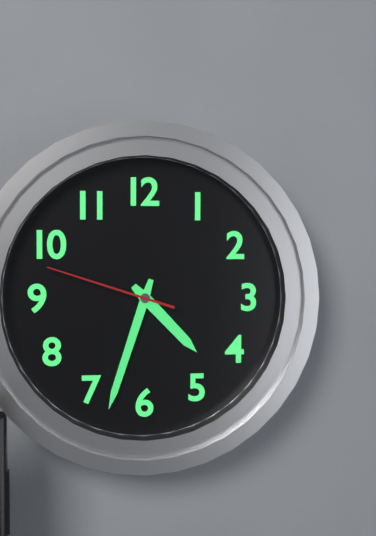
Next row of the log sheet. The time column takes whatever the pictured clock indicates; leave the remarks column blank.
4:33:48
